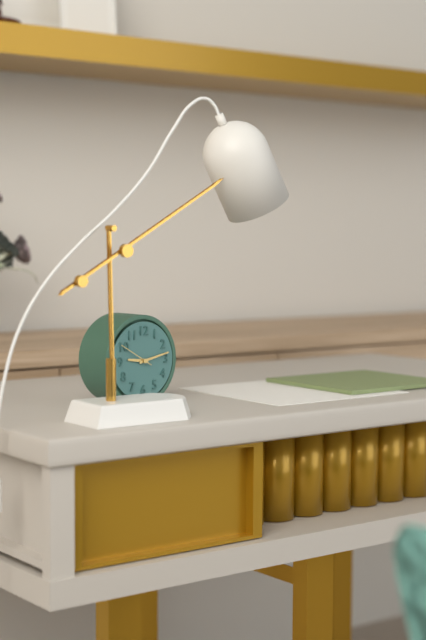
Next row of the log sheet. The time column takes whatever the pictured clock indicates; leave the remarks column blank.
9:13
